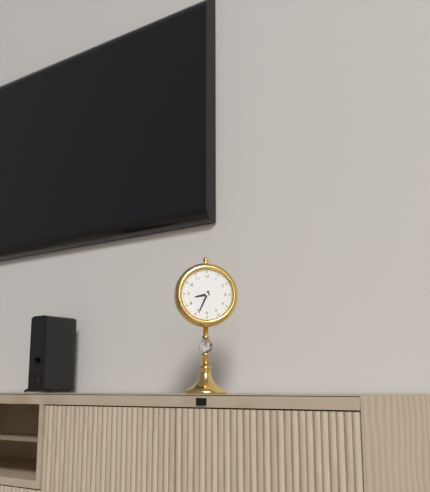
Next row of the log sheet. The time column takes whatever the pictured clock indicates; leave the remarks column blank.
8:34
